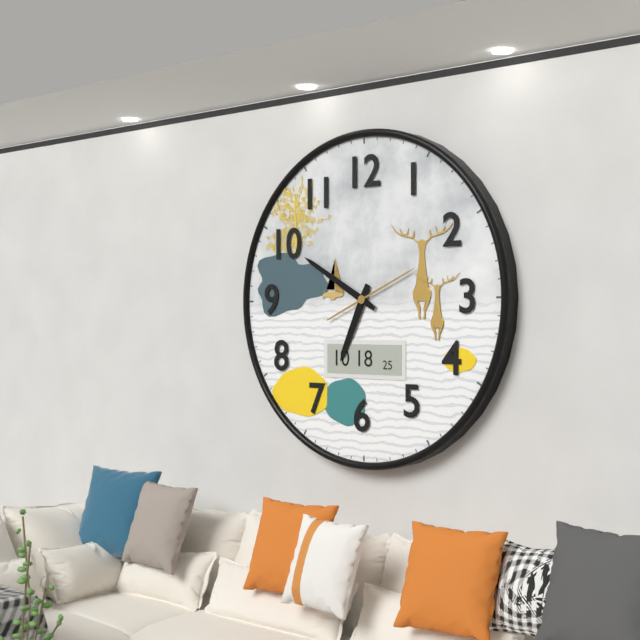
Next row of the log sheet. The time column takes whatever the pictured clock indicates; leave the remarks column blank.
6:50:11
